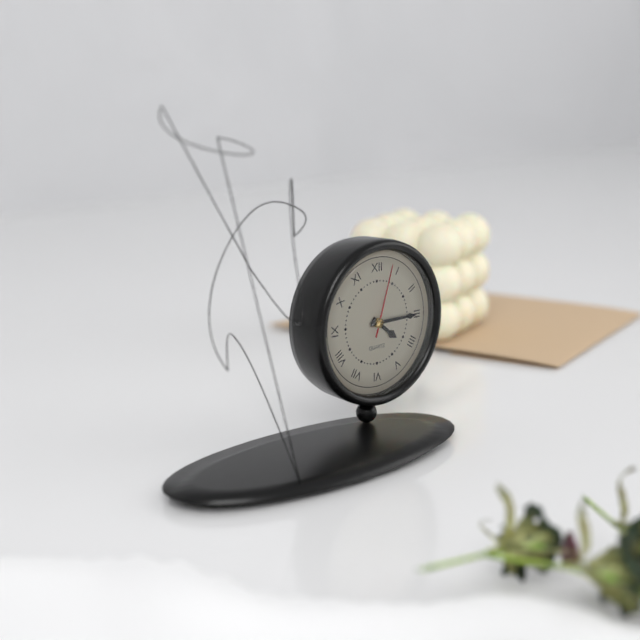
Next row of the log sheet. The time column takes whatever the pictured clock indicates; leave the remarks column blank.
4:15:03
